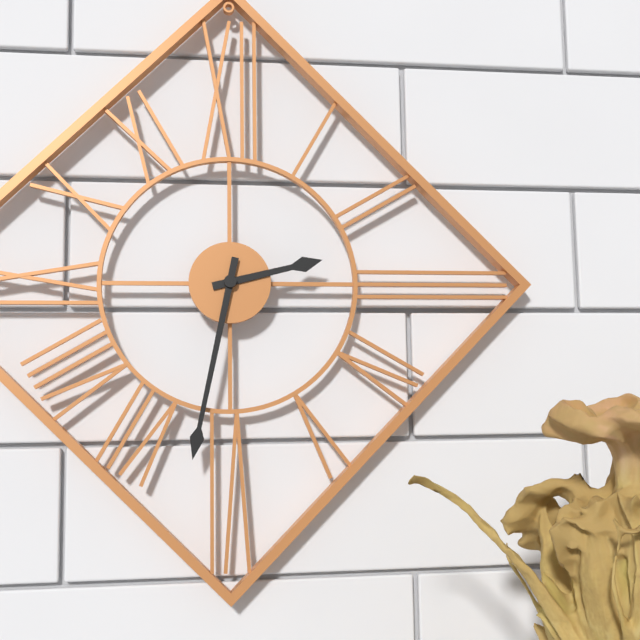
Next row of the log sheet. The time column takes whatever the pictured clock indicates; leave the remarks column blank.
2:32
